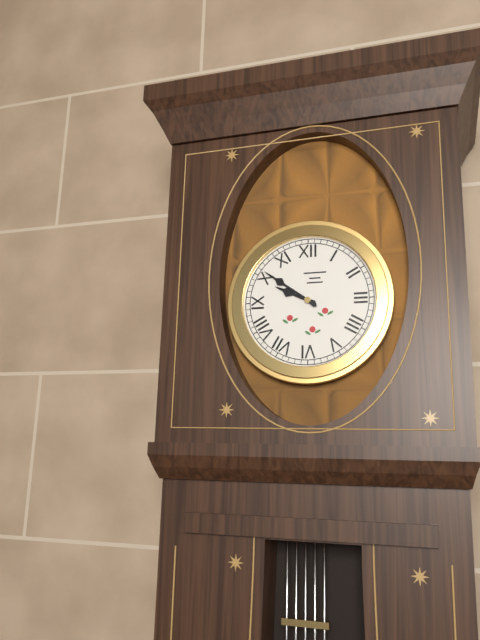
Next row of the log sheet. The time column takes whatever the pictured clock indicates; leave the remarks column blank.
9:51
